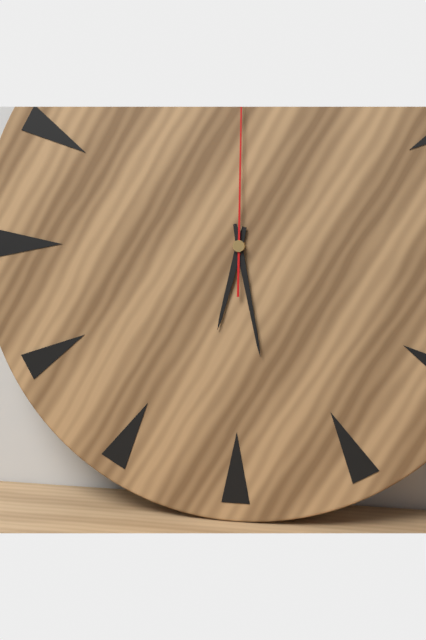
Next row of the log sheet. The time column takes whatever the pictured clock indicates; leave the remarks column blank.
6:28:00
